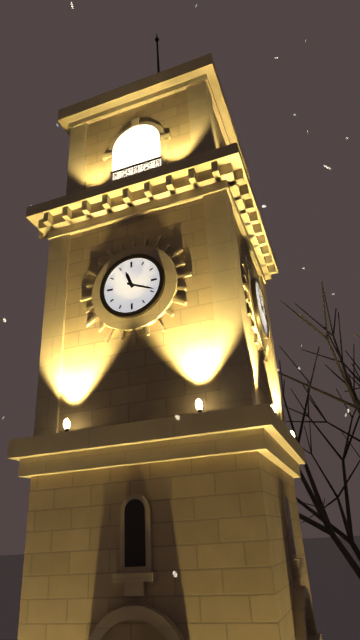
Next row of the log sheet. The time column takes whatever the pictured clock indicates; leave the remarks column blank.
11:19
